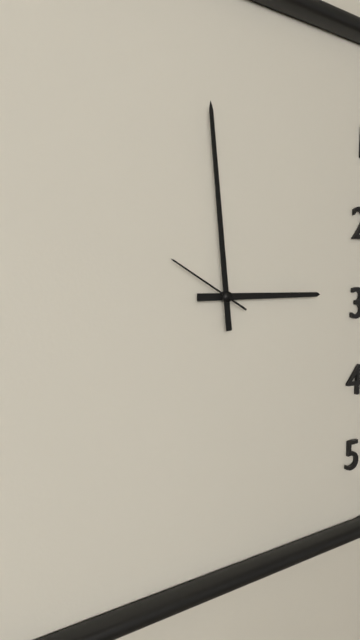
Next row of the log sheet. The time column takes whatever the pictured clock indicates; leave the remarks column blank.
2:59:50
